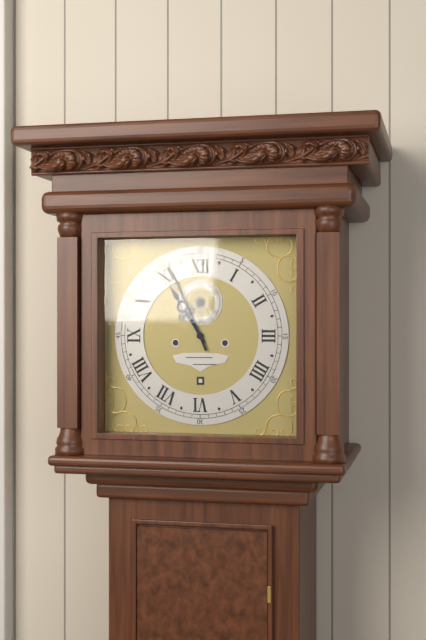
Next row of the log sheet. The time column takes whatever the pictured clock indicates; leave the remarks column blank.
10:56
